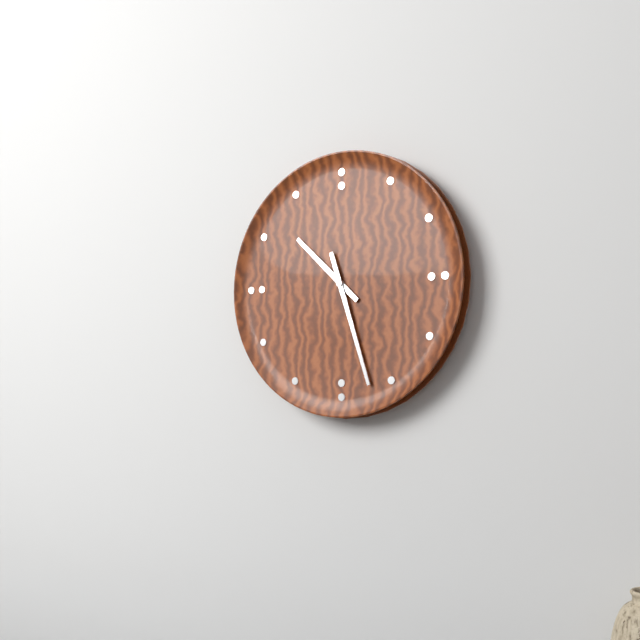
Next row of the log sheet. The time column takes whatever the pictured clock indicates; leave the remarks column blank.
10:27
